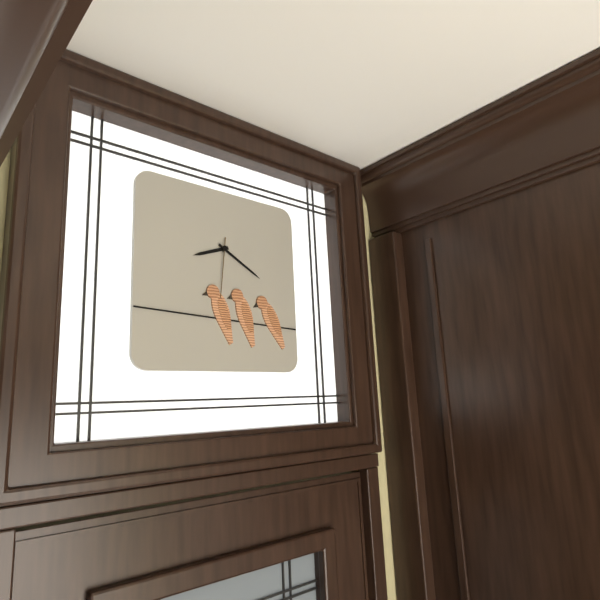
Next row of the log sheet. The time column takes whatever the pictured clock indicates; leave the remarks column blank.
8:20:31
